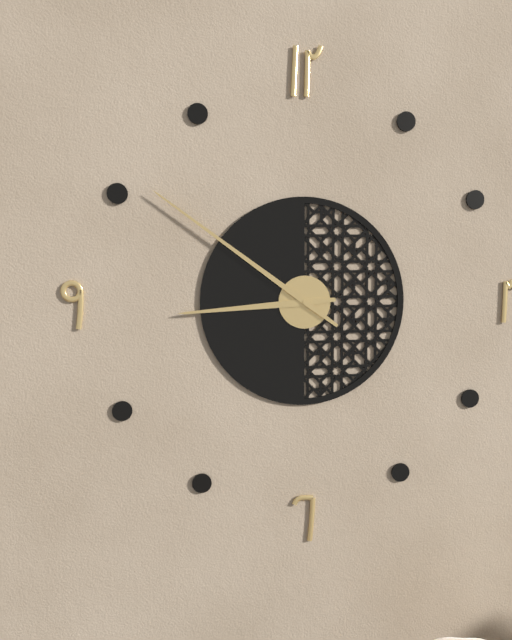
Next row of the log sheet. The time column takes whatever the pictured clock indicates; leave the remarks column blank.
8:51
